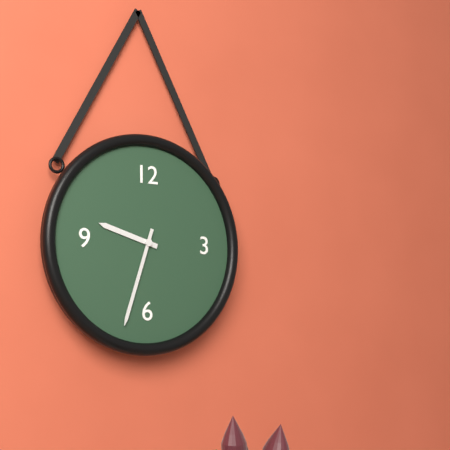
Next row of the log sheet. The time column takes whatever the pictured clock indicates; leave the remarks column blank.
9:33
